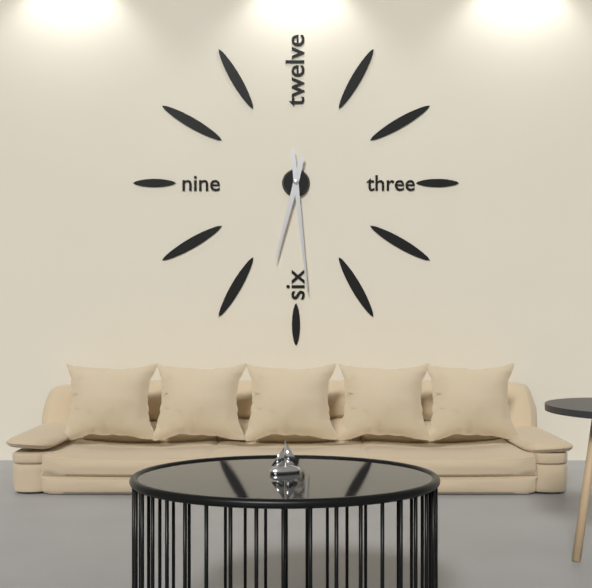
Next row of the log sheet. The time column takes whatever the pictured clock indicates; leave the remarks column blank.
6:29
